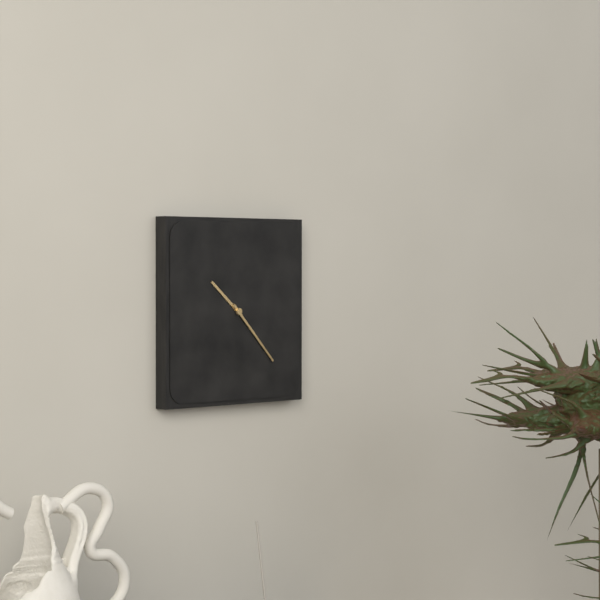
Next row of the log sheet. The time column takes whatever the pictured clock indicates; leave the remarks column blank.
10:23
